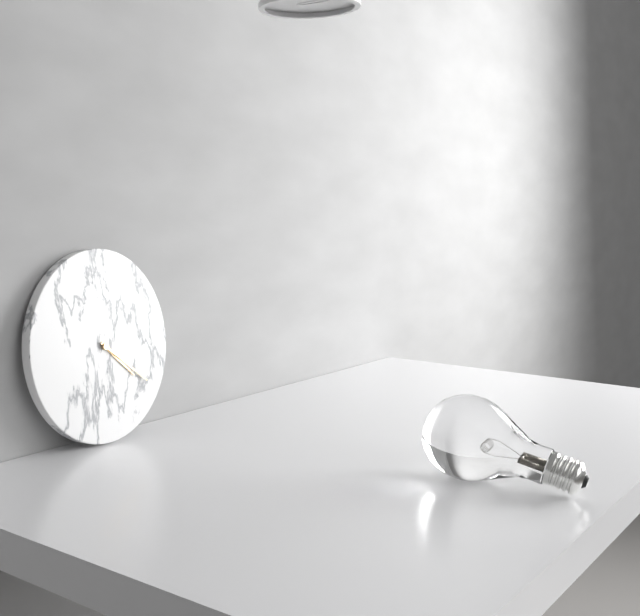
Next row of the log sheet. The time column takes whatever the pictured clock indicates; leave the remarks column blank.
4:21
